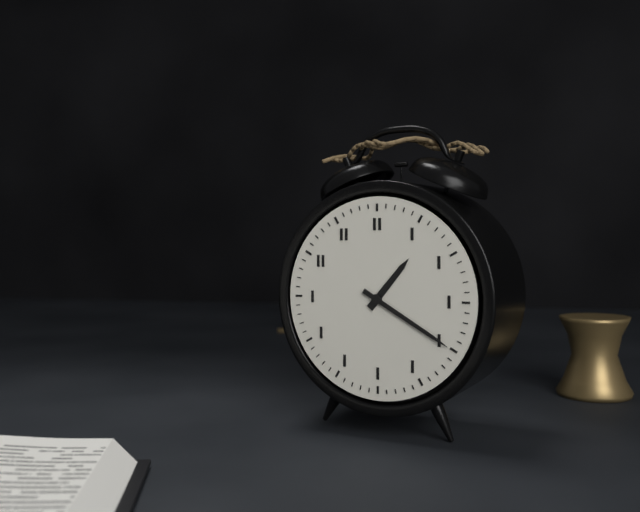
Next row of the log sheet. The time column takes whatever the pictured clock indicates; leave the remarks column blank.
1:20
